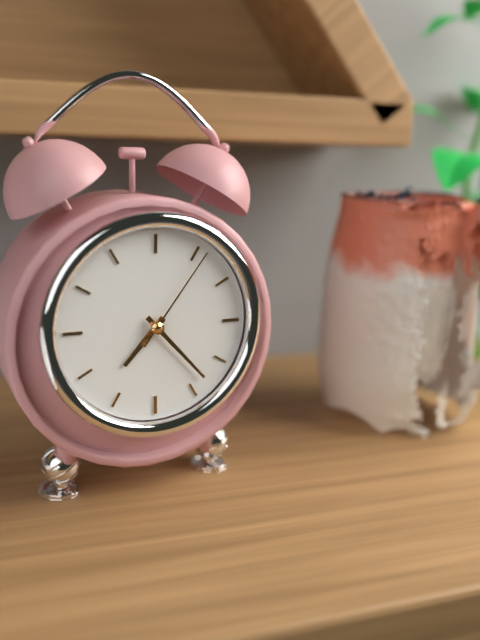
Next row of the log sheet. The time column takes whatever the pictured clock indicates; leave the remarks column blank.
7:23:06
